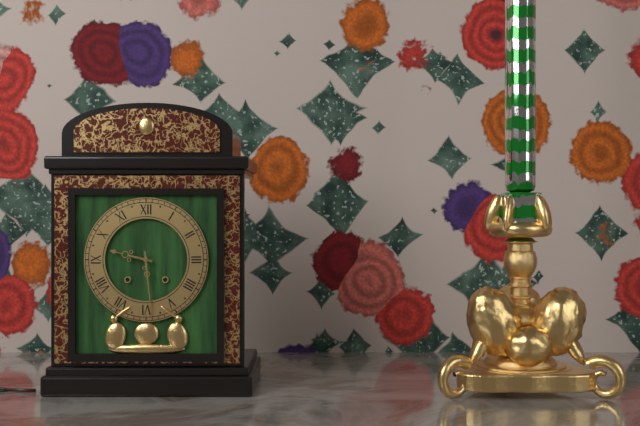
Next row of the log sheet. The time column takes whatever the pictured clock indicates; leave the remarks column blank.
9:29
